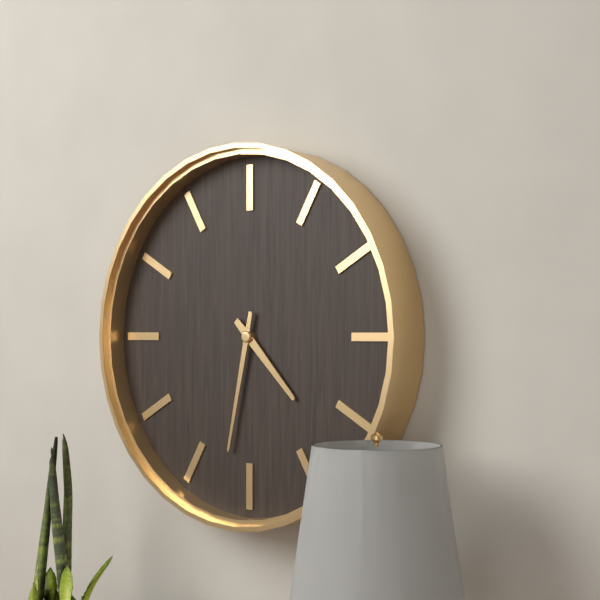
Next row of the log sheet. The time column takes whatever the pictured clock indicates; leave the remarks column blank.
4:32
